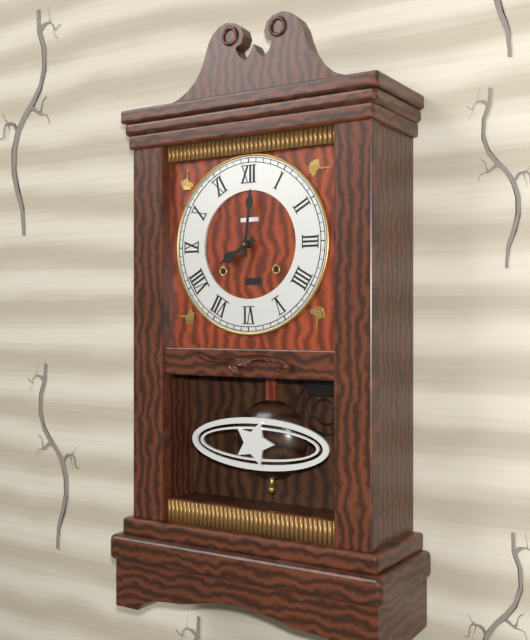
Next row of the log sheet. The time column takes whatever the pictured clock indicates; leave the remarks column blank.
8:01
